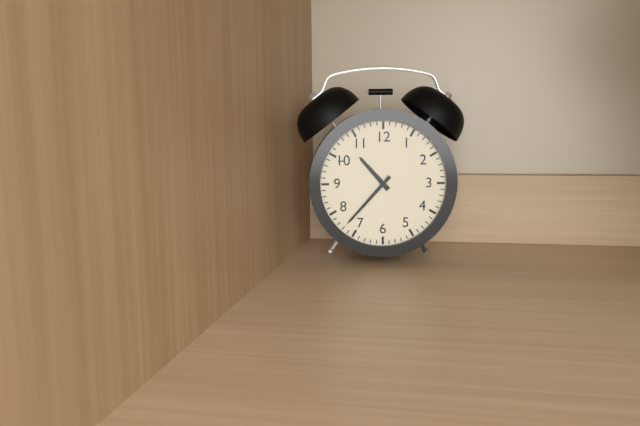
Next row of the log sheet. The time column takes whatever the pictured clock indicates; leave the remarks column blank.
10:37
